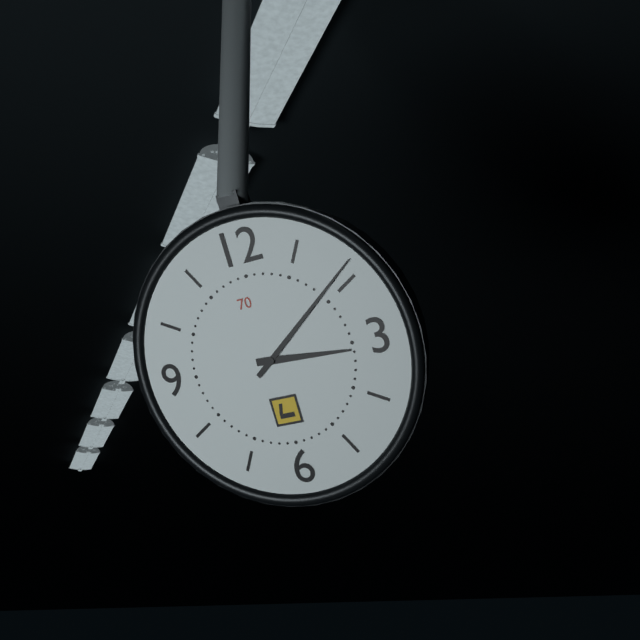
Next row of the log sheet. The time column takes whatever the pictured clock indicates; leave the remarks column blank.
3:09
